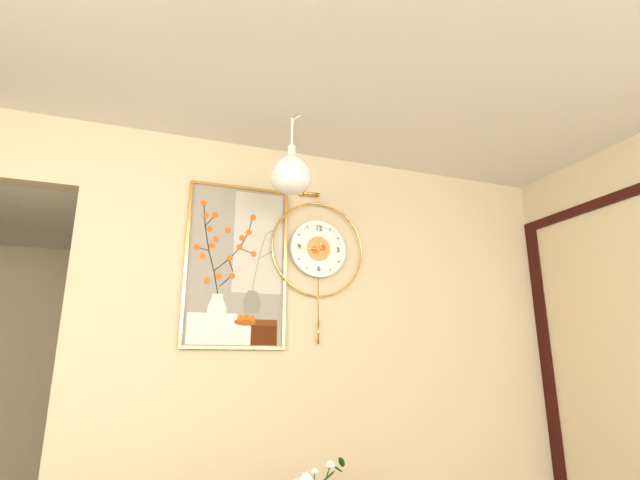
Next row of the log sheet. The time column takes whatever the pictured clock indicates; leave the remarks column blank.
12:44
